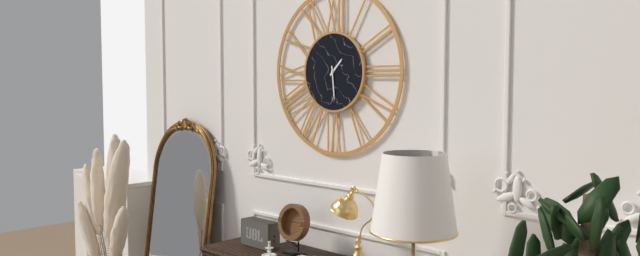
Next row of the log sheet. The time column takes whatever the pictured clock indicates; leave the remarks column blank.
1:29
